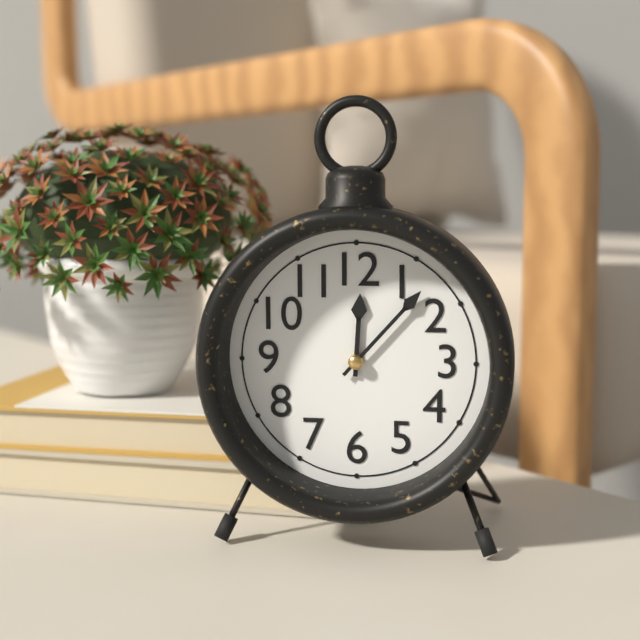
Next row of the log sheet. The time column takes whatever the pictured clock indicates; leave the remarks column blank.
12:07
